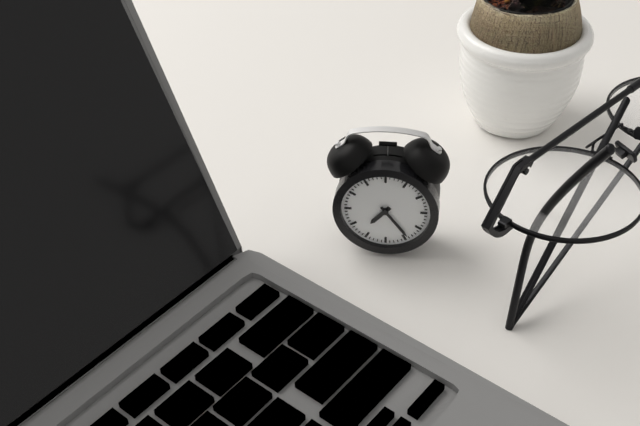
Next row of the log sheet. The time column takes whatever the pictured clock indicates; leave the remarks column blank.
7:24
